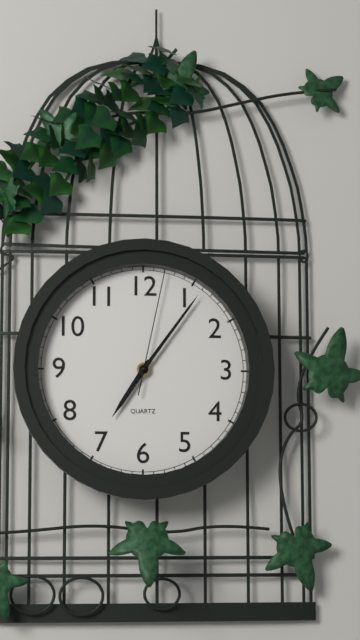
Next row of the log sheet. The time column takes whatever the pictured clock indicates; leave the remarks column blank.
7:06:02
